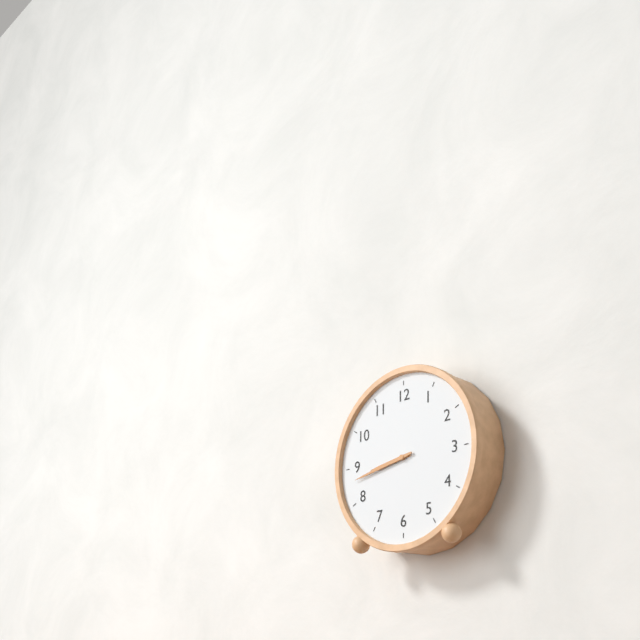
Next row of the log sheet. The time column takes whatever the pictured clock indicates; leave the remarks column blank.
8:43
